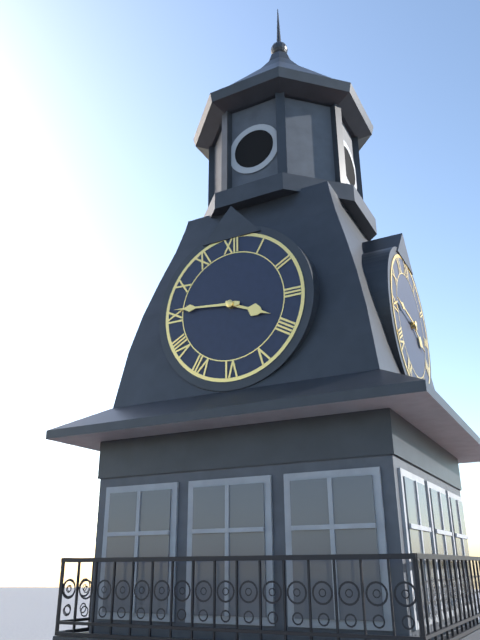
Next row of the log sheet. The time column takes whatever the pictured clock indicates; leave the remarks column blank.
3:46
